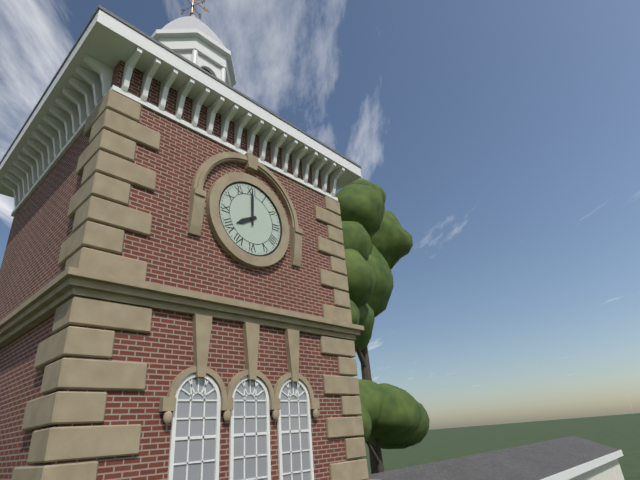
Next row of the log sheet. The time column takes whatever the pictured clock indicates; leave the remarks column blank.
8:00
